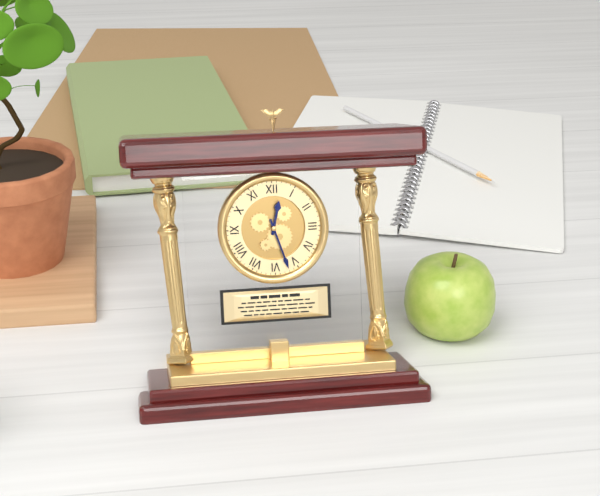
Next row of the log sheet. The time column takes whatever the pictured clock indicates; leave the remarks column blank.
12:27
